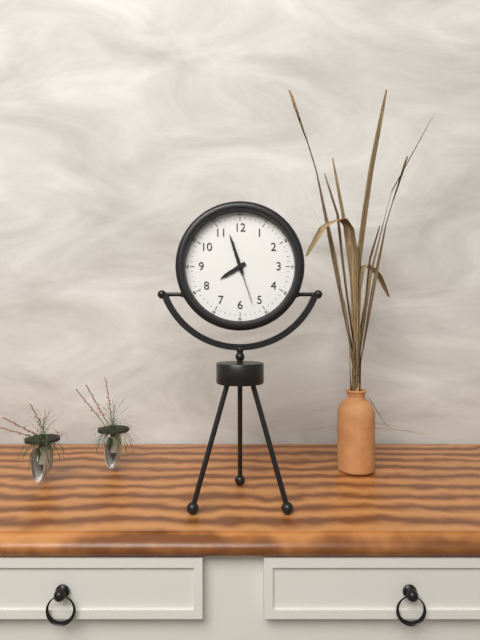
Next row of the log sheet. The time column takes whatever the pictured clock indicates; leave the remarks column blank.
7:57
